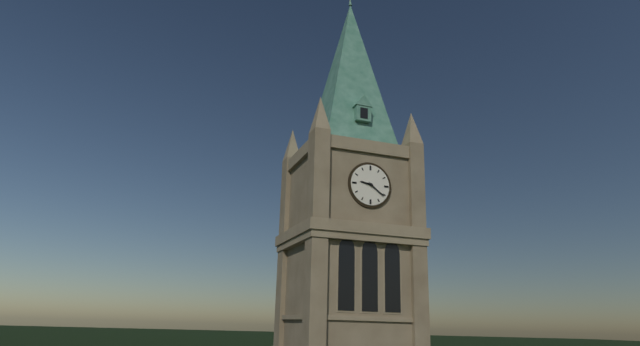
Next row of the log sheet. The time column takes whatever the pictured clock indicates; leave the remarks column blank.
9:21
